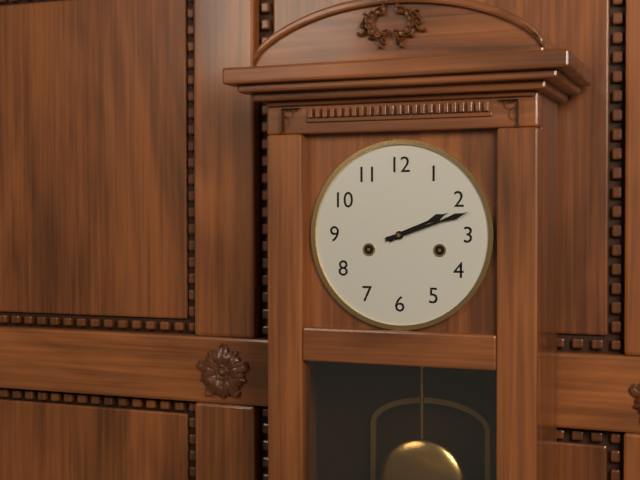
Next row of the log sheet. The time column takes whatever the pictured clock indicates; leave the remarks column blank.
2:12
